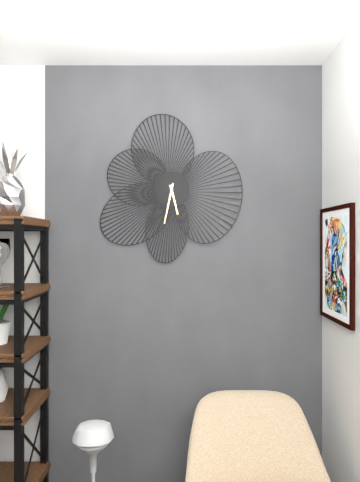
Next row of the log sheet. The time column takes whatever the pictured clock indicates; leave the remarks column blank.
5:32
